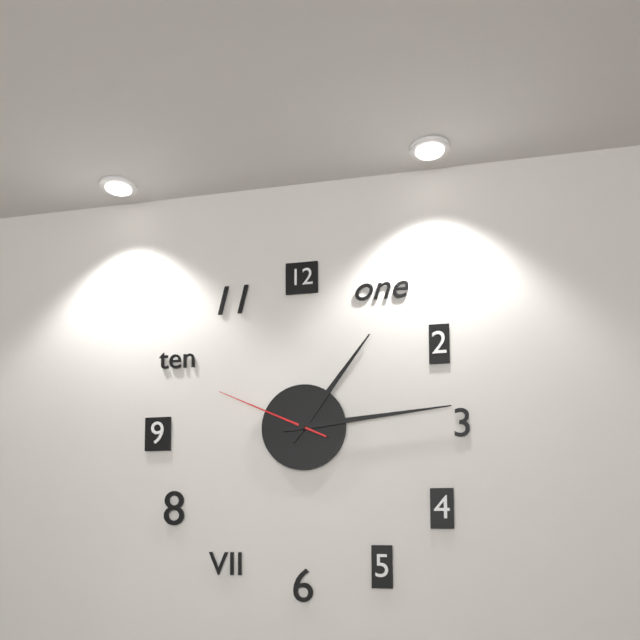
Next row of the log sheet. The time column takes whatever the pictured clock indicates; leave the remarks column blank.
1:14:49
